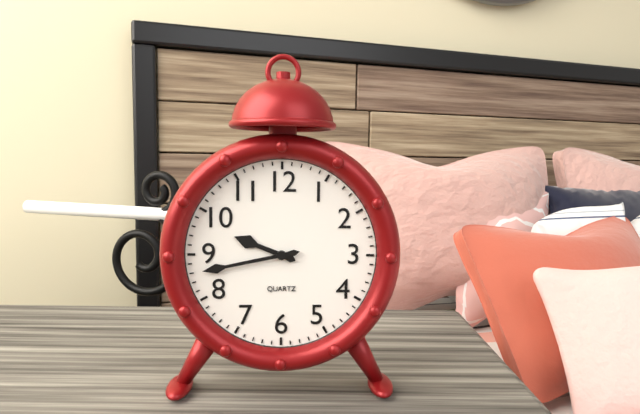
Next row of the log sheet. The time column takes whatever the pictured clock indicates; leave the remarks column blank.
9:43
